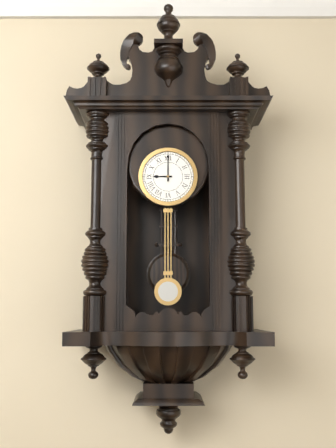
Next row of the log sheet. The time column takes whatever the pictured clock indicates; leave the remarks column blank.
9:00
